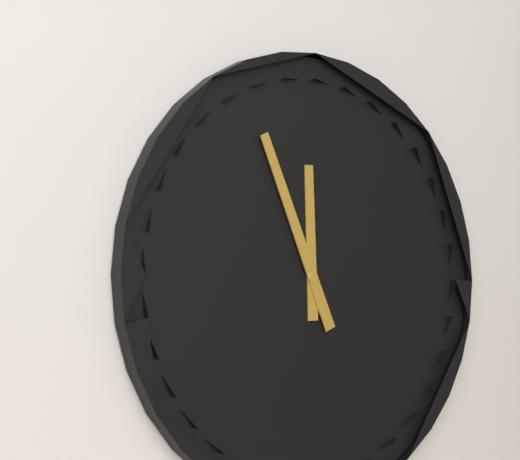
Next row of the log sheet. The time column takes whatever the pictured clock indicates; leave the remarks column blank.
11:56
